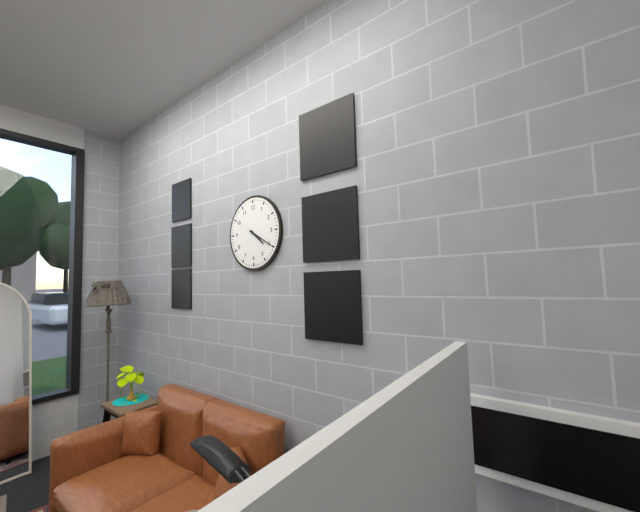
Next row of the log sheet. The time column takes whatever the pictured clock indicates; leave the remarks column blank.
4:20
